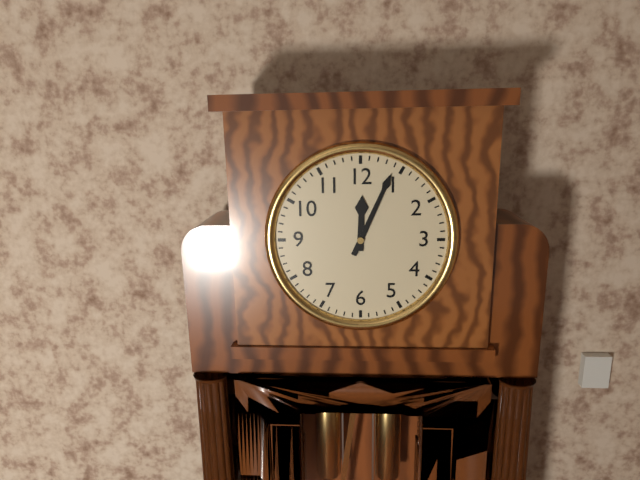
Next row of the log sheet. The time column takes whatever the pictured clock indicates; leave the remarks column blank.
12:04
